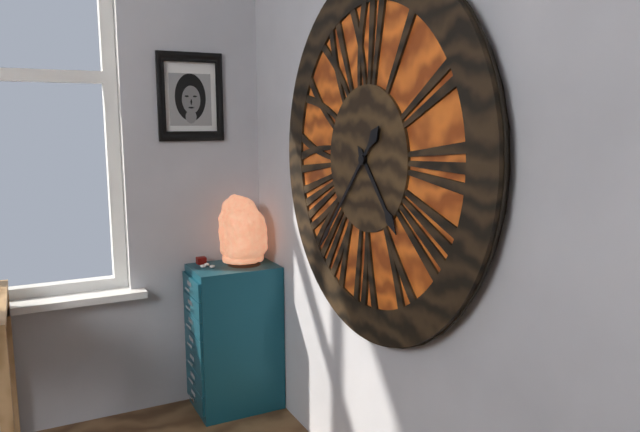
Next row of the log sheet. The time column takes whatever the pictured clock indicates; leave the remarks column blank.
4:37
